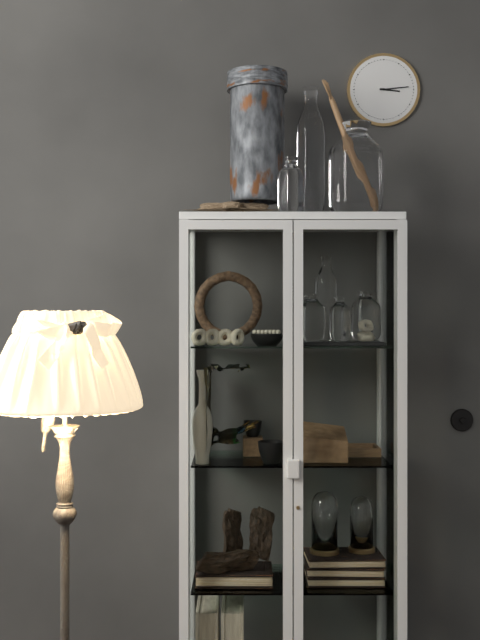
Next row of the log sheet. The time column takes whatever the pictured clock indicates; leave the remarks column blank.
3:14
